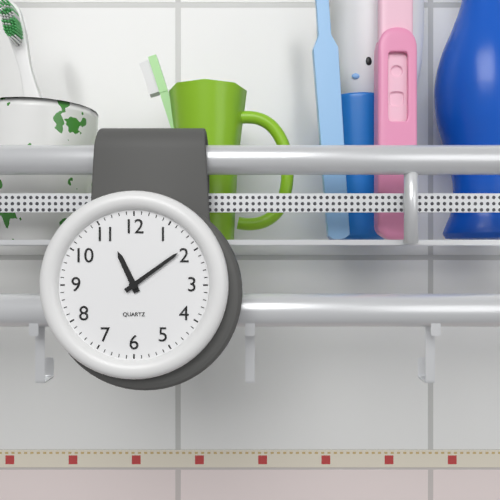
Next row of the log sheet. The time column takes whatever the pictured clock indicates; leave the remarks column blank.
11:09
